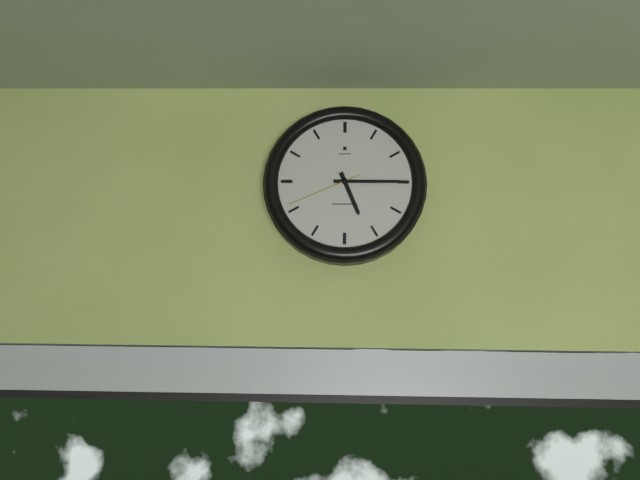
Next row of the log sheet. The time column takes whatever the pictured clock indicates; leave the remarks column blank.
5:15:41
